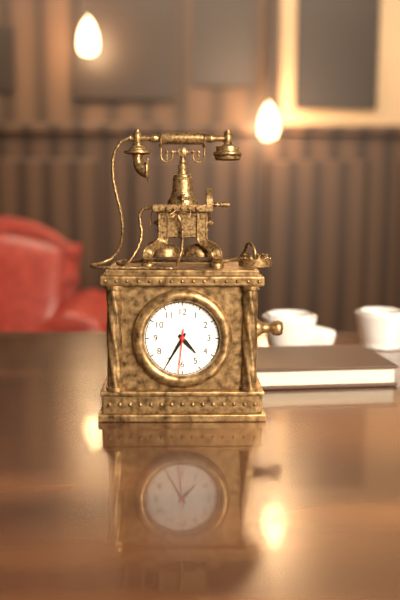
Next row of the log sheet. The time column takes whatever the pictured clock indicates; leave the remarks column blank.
4:35
